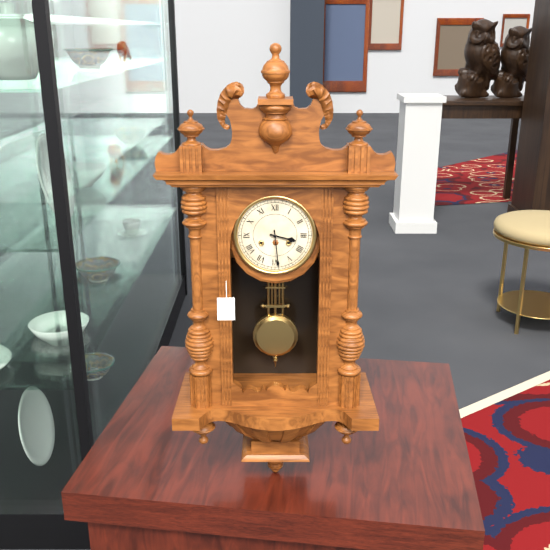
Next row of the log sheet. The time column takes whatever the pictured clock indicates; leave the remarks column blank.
3:29
